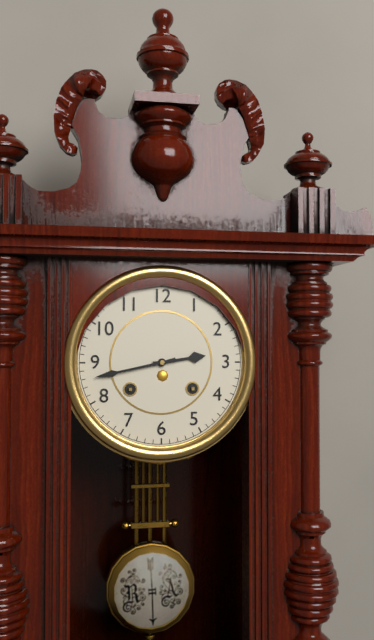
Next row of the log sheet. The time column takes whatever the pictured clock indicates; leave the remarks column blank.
2:43
